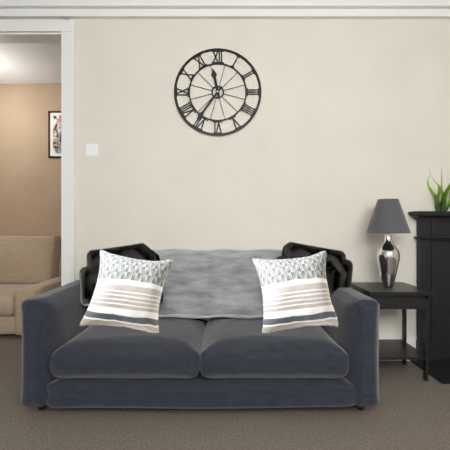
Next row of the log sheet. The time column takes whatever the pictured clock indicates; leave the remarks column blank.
11:36
